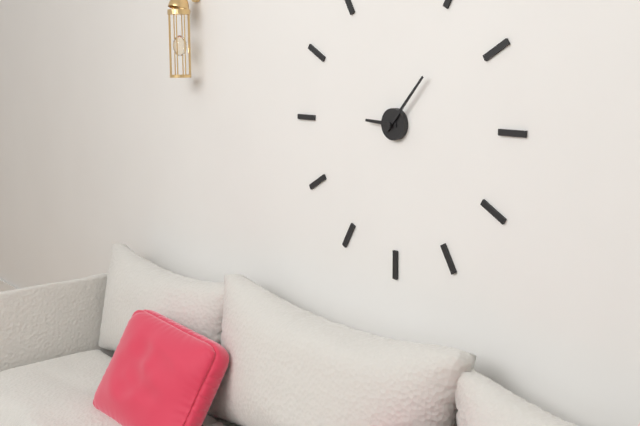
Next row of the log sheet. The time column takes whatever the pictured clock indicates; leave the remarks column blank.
9:07
